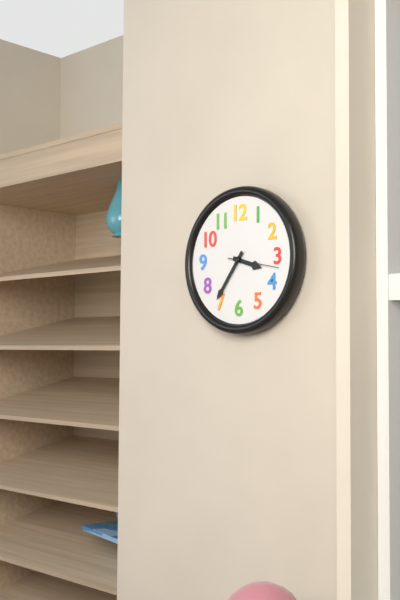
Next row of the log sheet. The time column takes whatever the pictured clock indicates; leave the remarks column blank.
3:36
